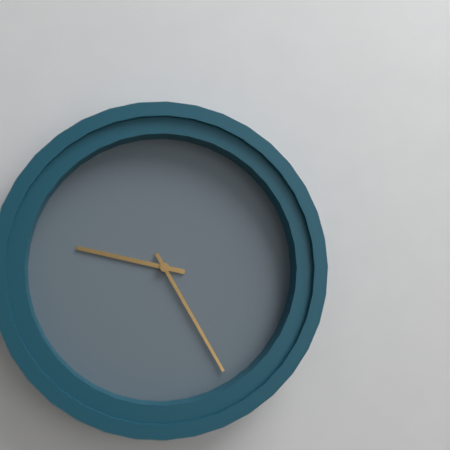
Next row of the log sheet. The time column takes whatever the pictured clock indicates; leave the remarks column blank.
9:25
